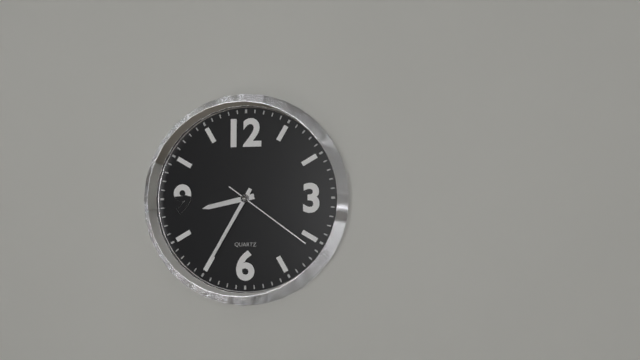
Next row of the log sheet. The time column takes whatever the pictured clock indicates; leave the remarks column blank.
8:35:21
